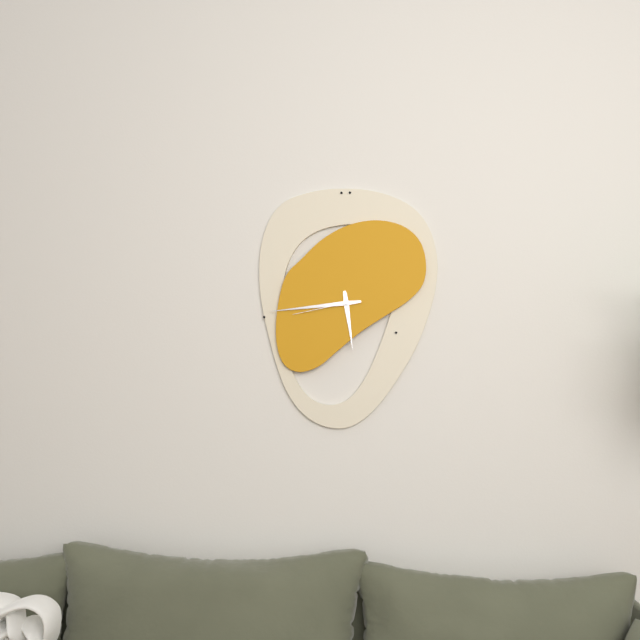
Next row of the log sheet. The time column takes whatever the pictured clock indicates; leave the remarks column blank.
5:44:43
